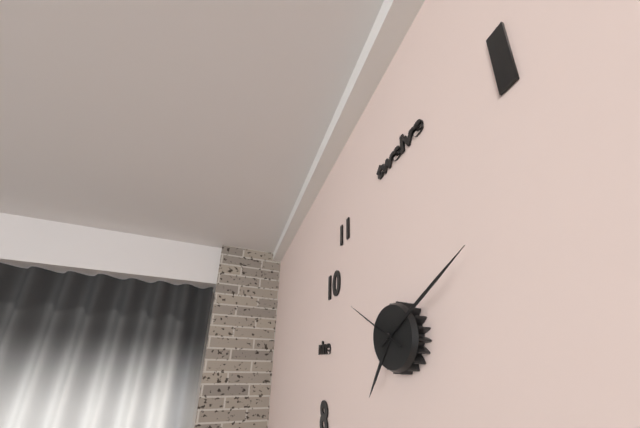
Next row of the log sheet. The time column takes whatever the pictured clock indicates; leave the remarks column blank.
7:10:50
